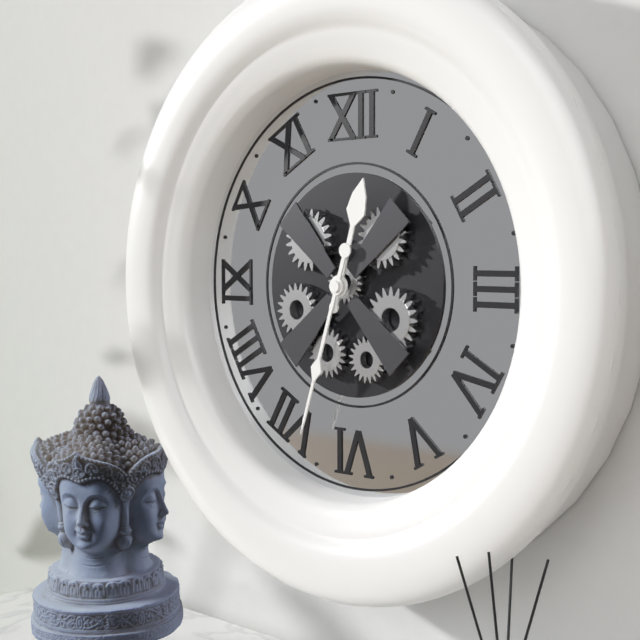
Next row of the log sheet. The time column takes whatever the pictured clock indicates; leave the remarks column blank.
12:33
